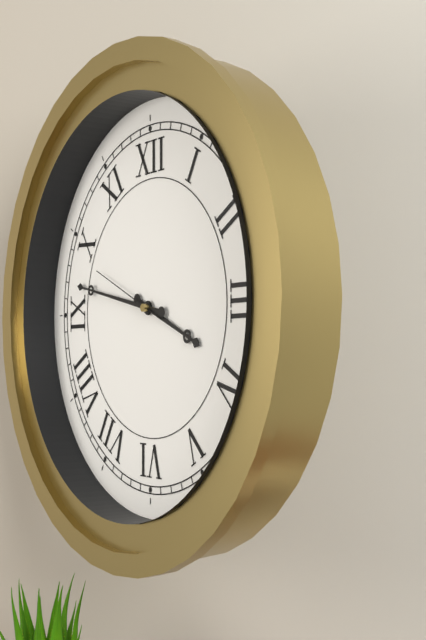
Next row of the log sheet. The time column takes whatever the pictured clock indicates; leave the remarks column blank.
3:47:49
